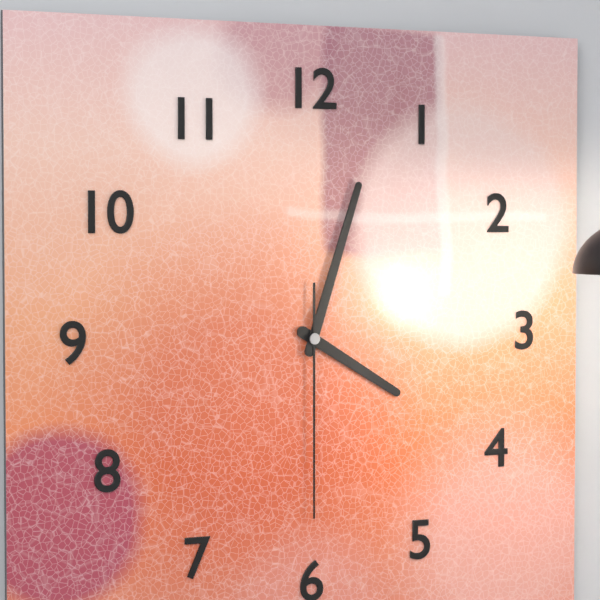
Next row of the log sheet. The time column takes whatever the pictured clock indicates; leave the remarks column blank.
4:03:30
